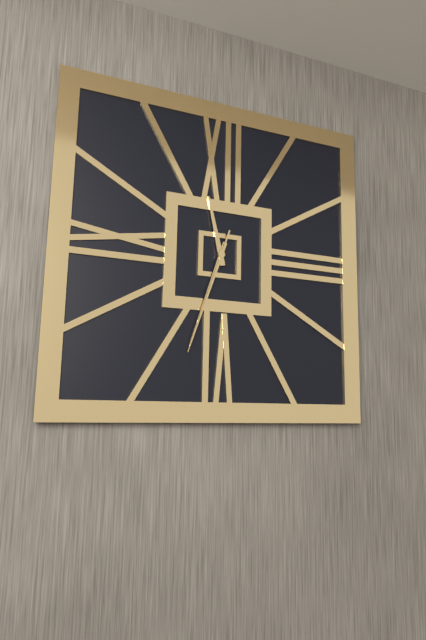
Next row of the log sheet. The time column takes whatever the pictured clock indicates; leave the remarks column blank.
11:33:33
